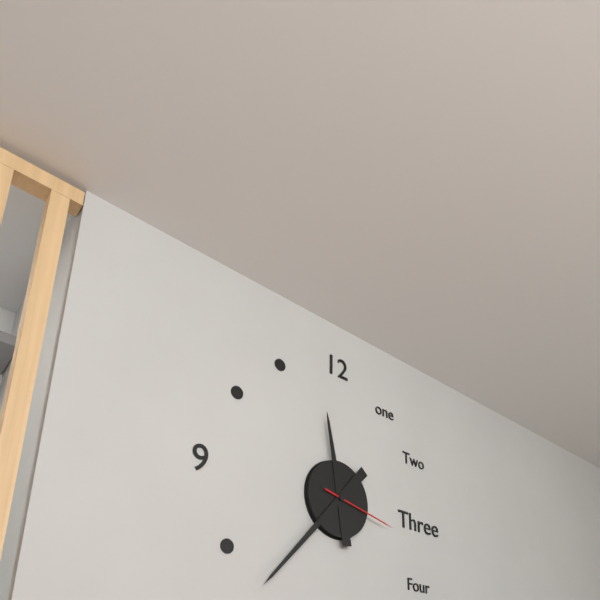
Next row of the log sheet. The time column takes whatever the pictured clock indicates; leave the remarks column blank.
11:37:17
